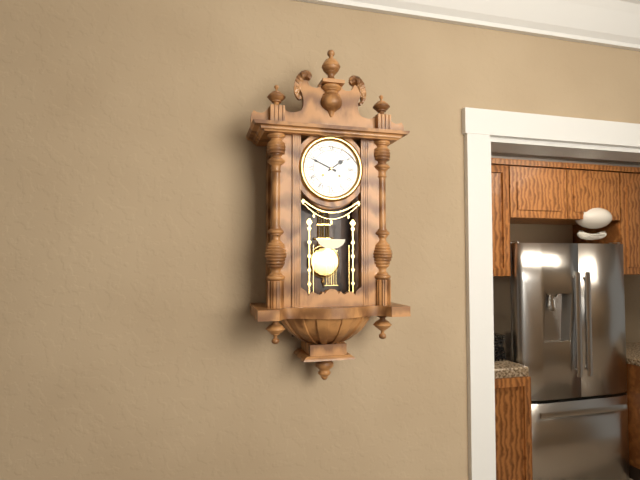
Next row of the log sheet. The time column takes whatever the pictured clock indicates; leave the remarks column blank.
1:49
